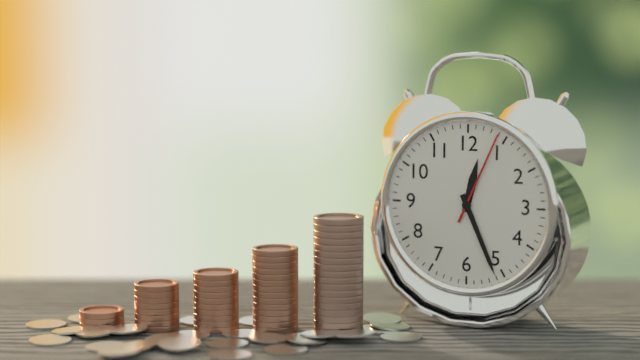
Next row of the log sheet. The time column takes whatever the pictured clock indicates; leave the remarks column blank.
12:26:04
